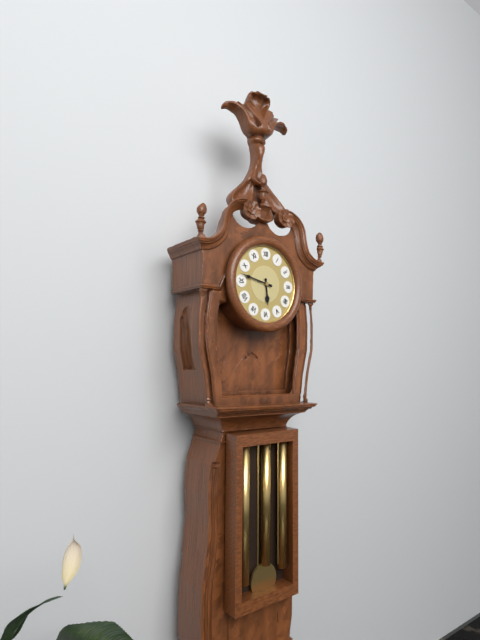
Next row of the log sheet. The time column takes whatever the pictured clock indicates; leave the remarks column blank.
5:47
